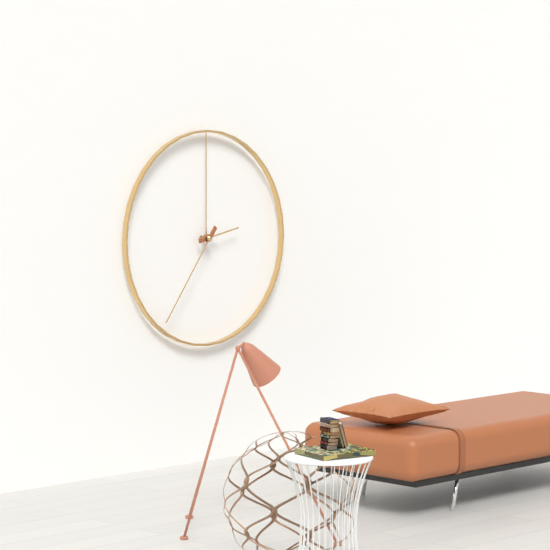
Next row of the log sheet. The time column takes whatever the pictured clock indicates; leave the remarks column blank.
2:36
